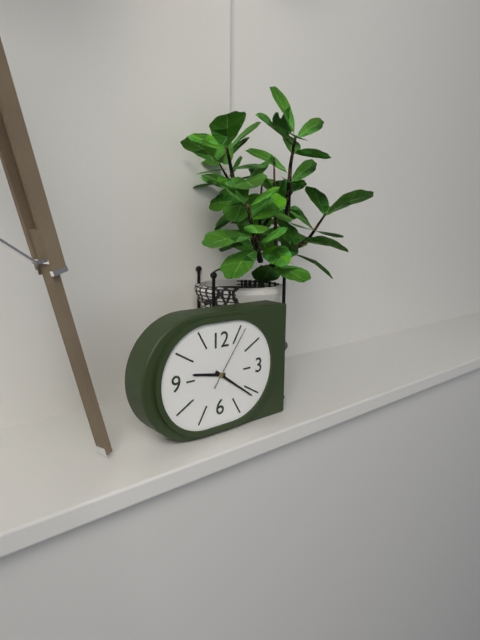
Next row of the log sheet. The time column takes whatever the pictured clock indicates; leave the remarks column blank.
9:21:06
